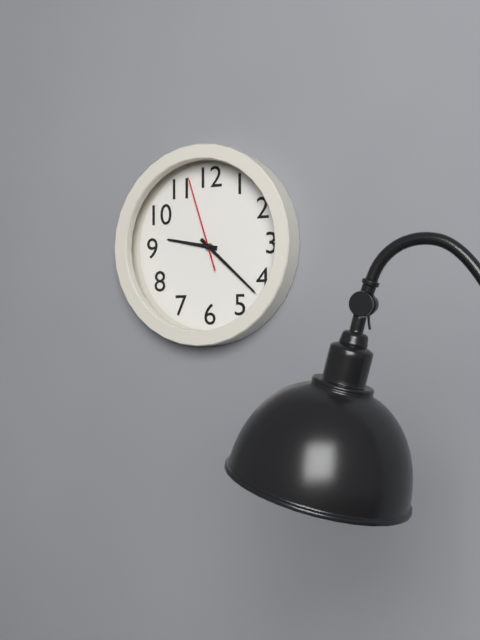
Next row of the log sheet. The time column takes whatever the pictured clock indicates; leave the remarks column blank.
9:22:57
